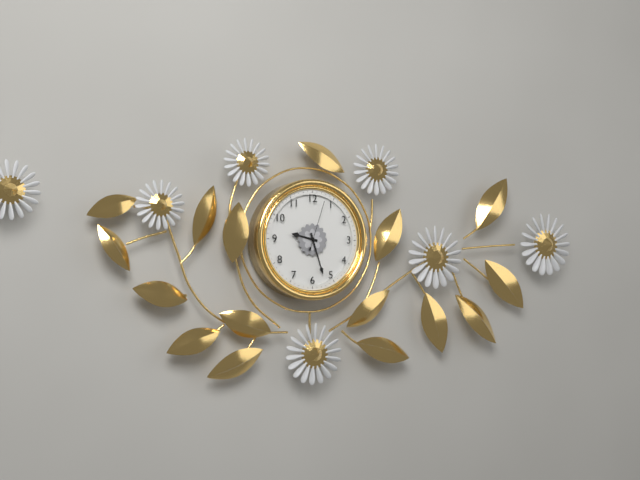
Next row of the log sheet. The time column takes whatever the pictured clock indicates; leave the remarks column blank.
9:27:03
